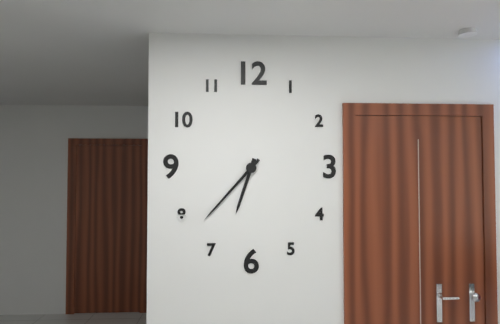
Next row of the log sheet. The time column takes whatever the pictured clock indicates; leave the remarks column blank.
6:37
